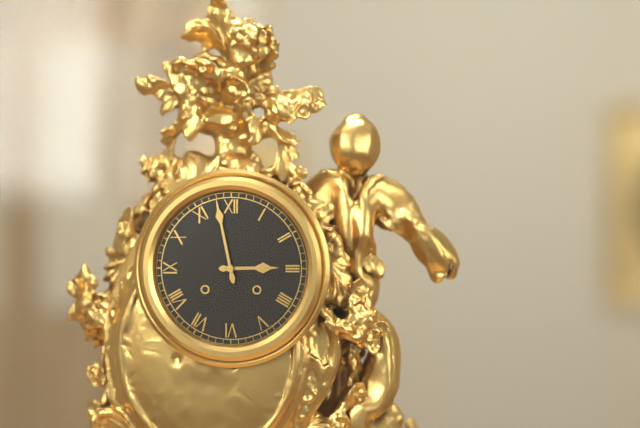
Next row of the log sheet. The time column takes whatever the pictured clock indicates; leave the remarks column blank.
2:58
